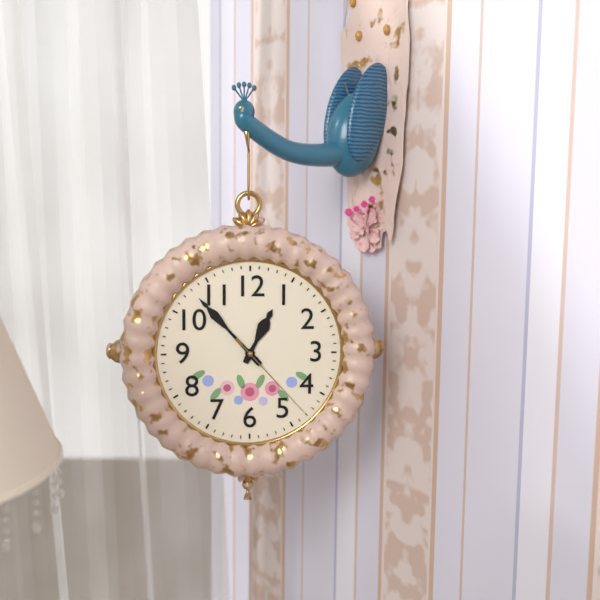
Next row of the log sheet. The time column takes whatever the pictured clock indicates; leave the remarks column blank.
12:53:23
